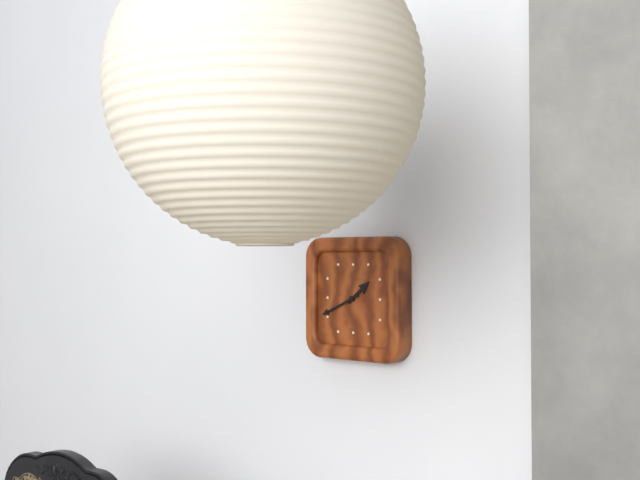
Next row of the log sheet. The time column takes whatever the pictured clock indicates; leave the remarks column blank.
1:41
